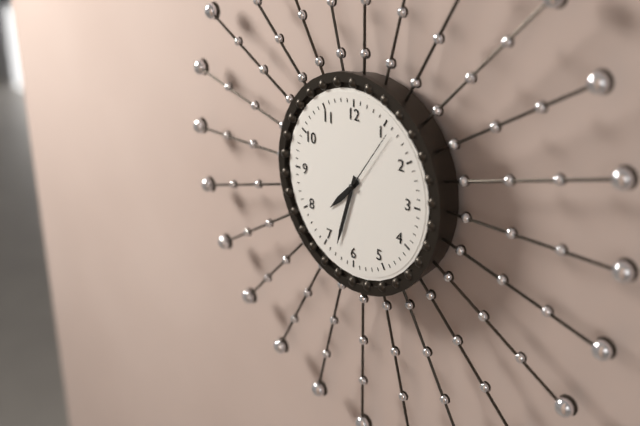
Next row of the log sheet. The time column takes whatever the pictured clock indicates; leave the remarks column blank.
7:33:06
